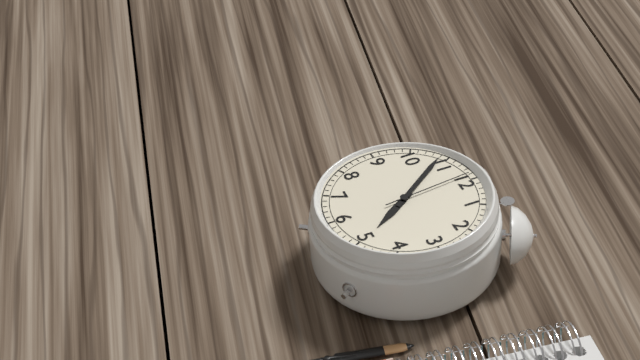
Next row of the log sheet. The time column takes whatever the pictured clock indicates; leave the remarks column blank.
4:54:59
